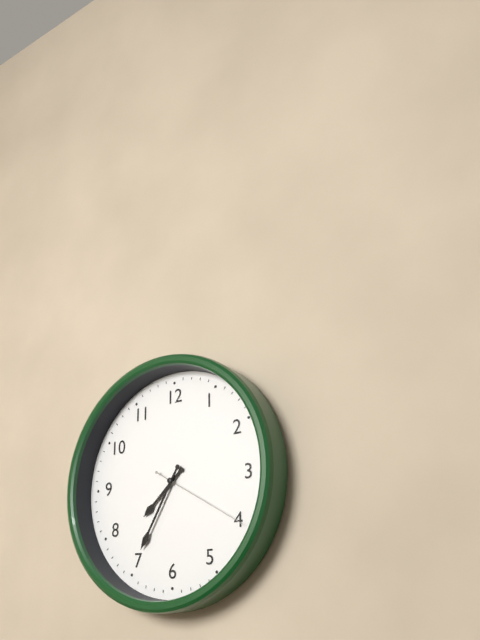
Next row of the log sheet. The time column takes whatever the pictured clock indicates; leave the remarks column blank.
7:35:20
